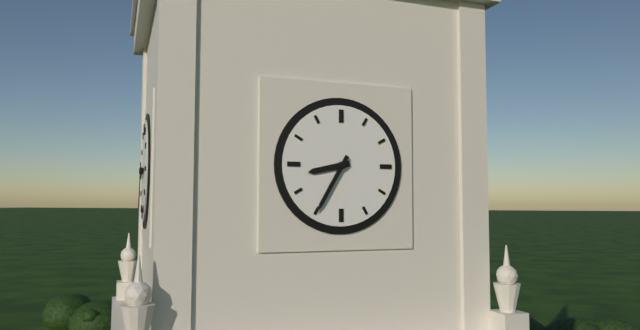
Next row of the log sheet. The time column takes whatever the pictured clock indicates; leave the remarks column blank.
8:35
